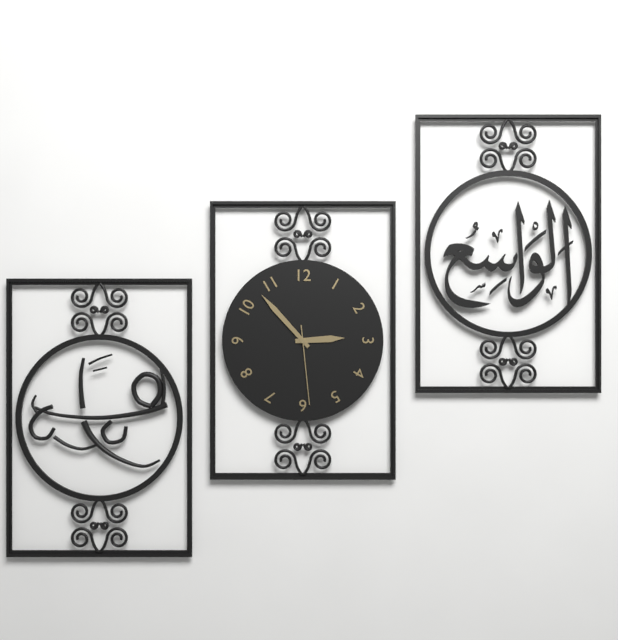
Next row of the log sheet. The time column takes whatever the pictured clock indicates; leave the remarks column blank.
2:53:29
